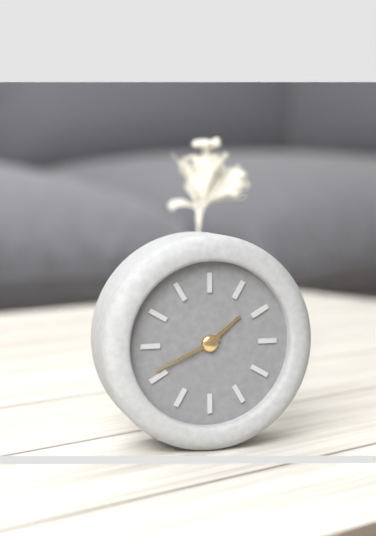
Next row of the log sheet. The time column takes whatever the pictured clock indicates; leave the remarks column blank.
1:41
